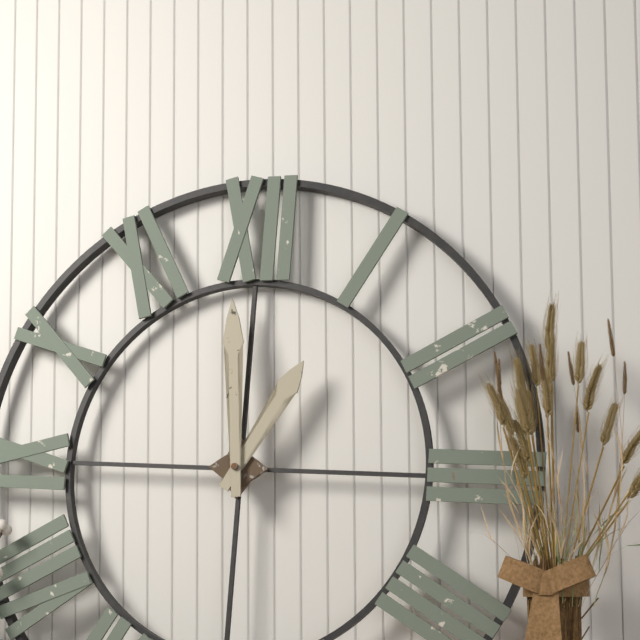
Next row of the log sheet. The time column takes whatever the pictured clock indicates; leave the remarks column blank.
12:59
